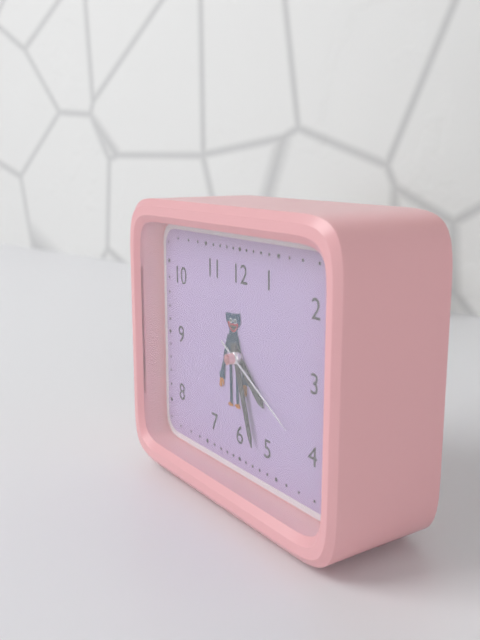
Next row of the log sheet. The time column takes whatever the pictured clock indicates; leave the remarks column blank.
4:27:20
